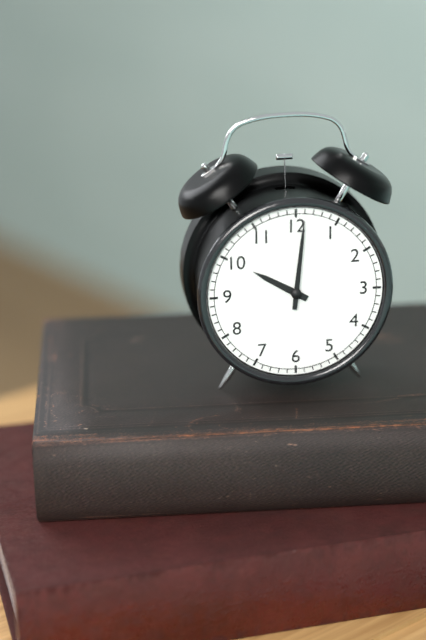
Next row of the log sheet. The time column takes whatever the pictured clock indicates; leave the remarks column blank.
10:01
